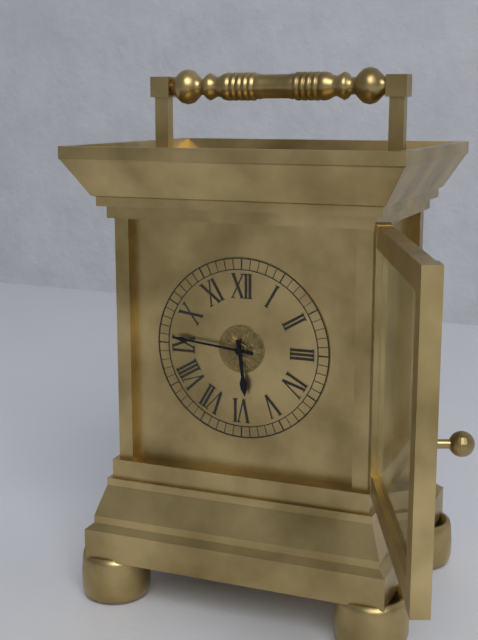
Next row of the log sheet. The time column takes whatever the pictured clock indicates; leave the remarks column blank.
5:46
